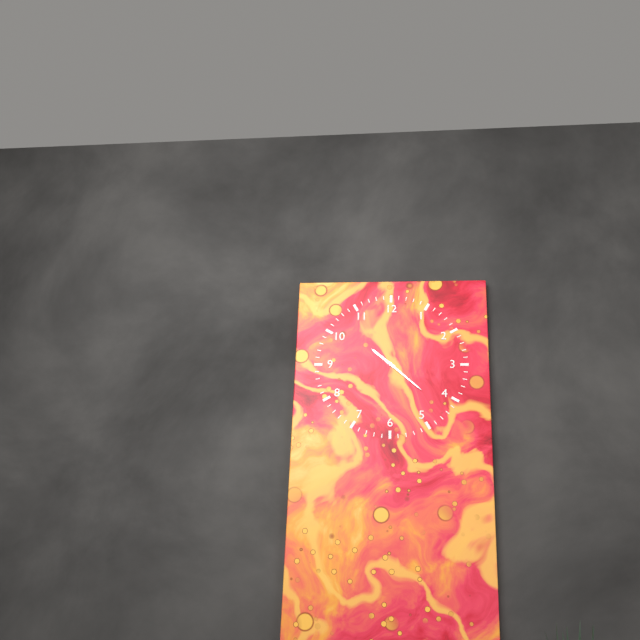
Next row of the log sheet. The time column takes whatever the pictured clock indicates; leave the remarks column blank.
10:22
